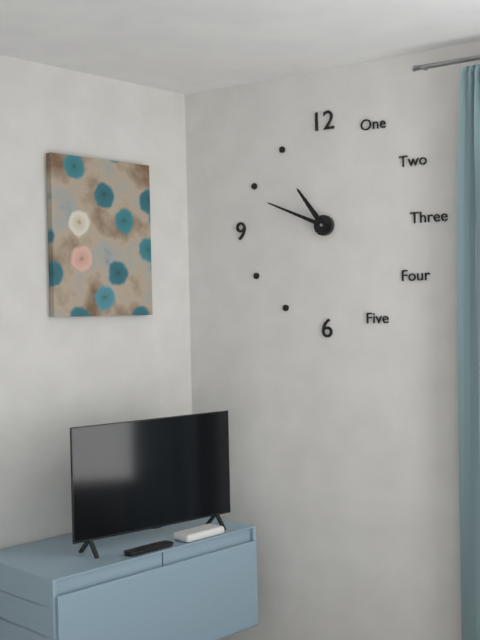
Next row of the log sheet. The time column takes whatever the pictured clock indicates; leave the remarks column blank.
10:49
